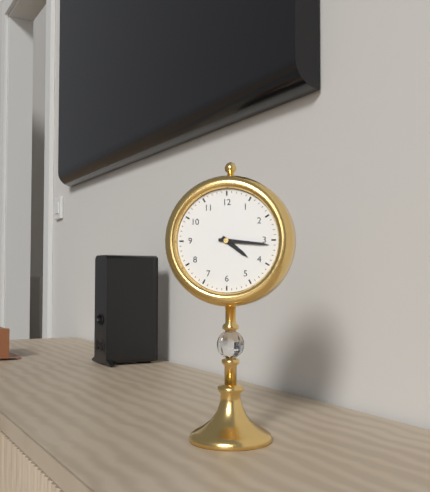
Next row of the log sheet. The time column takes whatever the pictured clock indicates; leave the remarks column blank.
4:16
